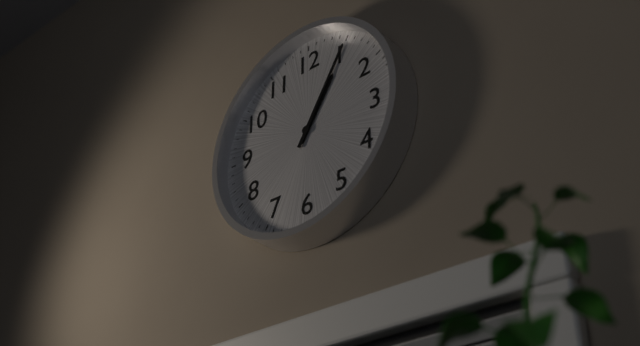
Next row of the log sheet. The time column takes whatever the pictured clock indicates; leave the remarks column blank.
1:05
